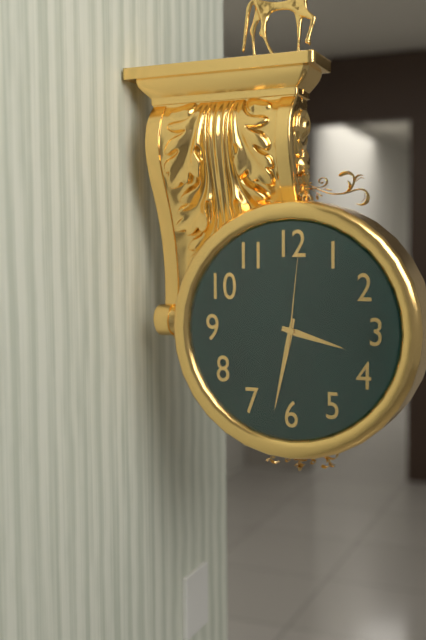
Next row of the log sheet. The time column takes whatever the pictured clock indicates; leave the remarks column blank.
3:32:01
